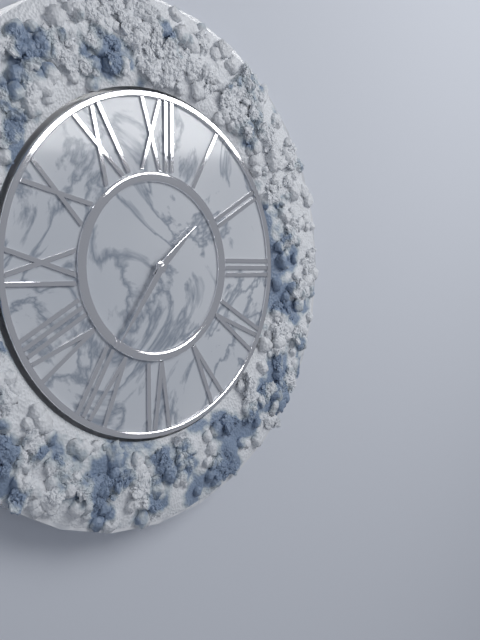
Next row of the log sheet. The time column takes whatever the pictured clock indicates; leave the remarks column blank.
1:36
